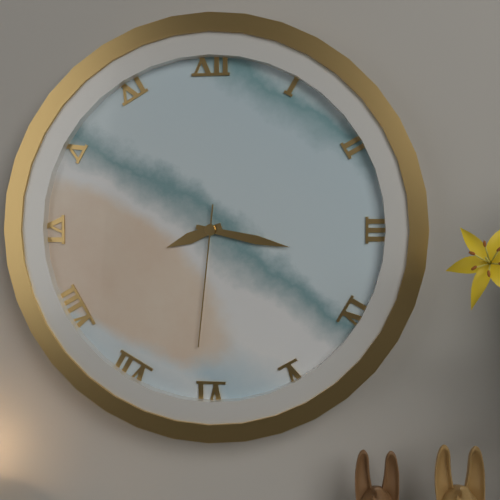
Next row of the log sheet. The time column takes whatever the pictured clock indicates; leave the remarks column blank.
8:17:31
